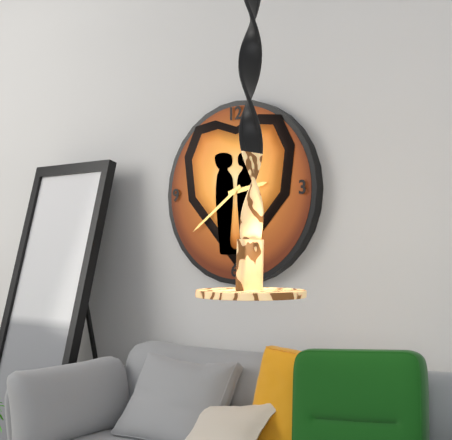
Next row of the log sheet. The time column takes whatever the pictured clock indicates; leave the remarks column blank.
2:39
